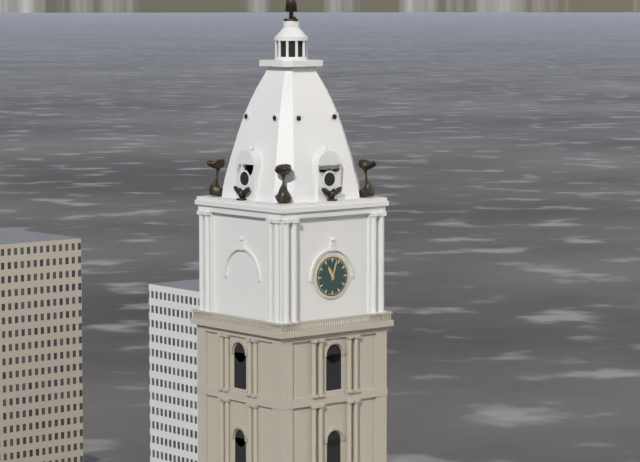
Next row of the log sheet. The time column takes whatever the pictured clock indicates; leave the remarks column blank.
11:03
